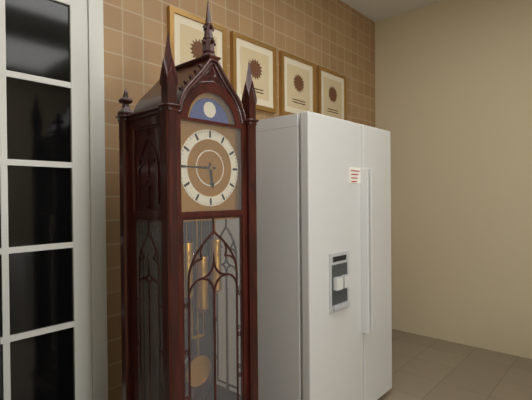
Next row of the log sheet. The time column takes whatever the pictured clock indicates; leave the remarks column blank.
5:45
